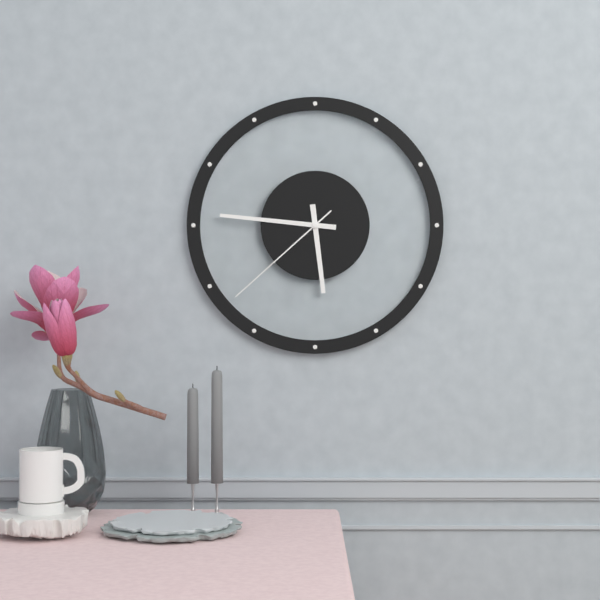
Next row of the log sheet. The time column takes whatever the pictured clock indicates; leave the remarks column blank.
5:46:38
